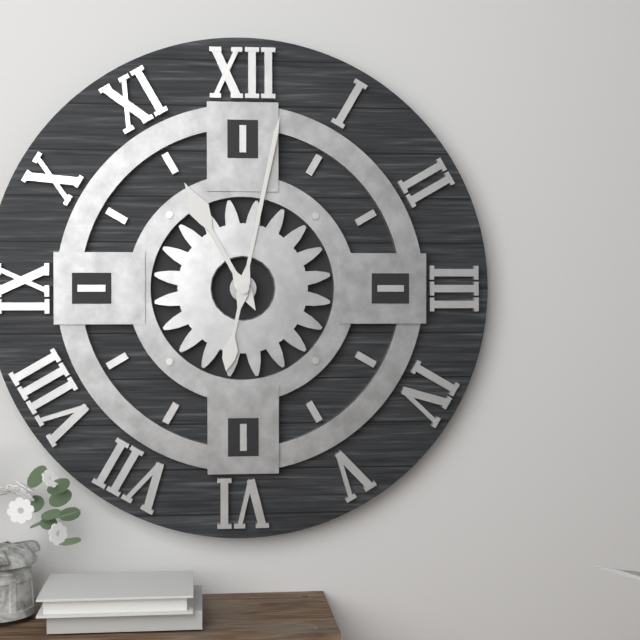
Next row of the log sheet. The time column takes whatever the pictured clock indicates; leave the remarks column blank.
11:02
